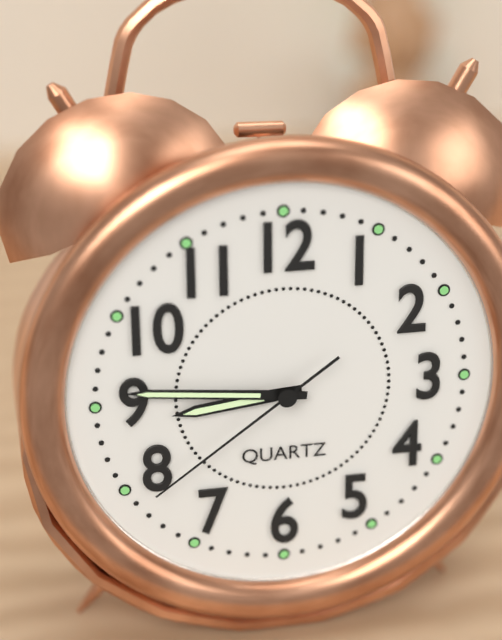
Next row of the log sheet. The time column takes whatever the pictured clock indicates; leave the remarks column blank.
8:46:39
